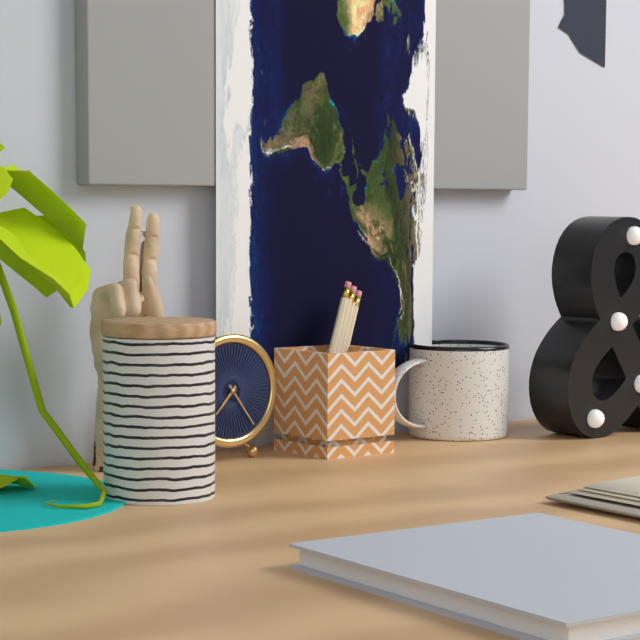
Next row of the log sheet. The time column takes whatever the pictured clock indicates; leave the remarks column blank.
7:24
